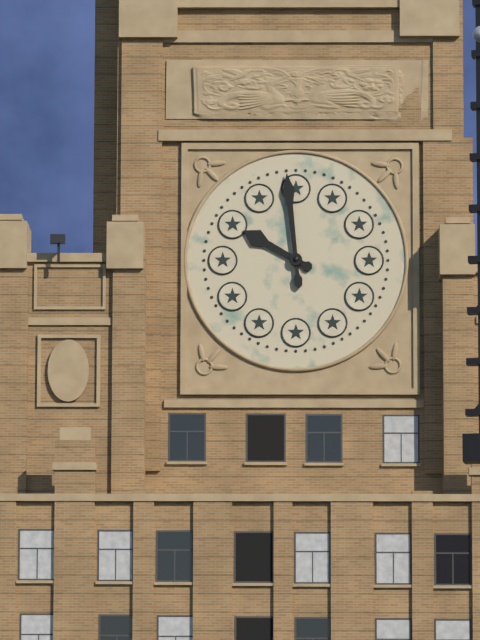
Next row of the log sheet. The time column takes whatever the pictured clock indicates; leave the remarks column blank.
9:59
